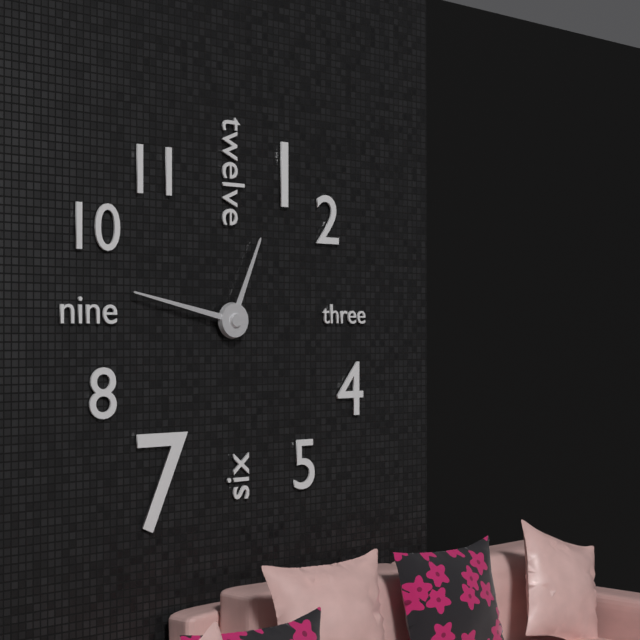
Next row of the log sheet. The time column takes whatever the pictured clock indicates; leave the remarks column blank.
12:47
